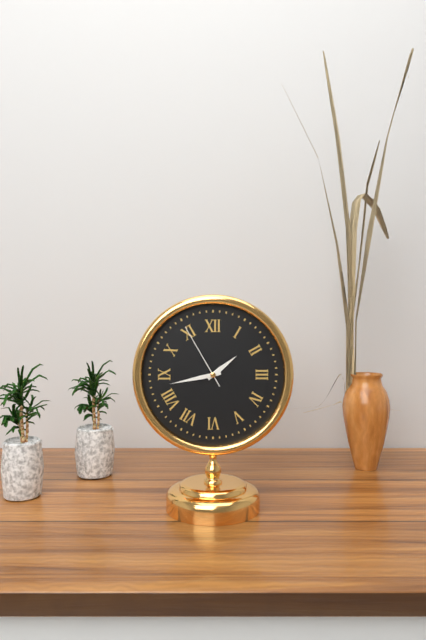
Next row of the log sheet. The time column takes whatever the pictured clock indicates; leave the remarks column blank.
1:43:55
